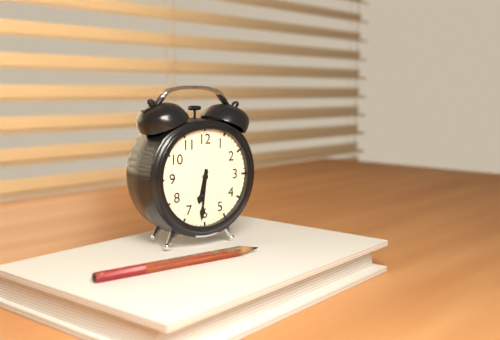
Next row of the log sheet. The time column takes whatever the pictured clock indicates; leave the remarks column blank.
6:31
